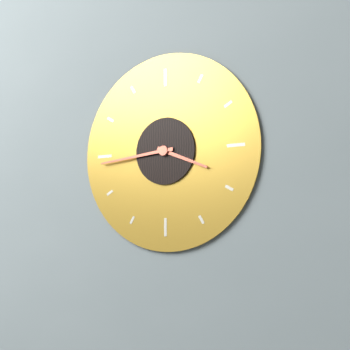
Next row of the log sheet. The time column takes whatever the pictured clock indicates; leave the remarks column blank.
3:44
